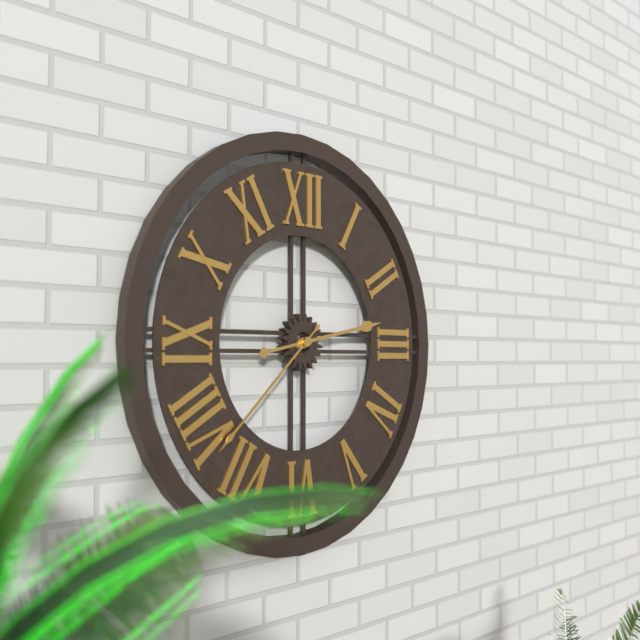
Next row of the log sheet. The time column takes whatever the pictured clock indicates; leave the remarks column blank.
2:38
